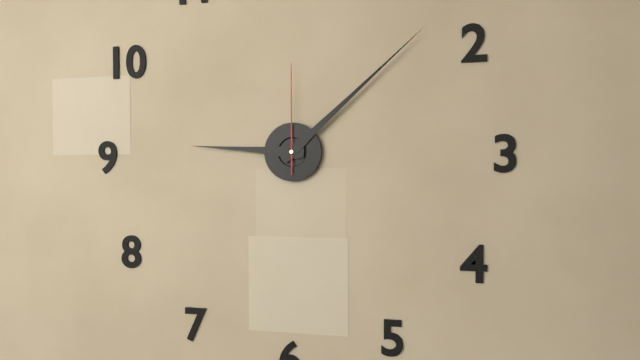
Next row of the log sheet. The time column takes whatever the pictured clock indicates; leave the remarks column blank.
9:08:00
